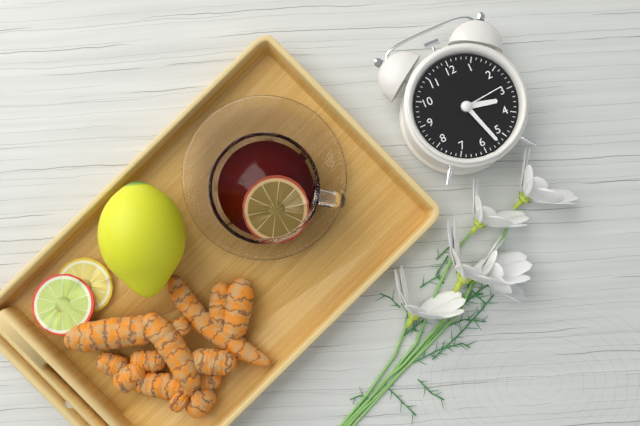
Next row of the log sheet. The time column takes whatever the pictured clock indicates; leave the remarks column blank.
3:27:14
